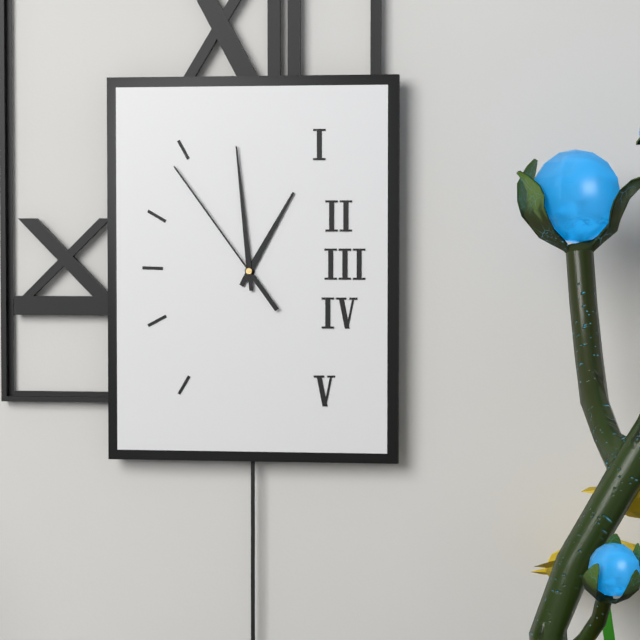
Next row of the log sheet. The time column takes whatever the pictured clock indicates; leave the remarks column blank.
12:59:54
